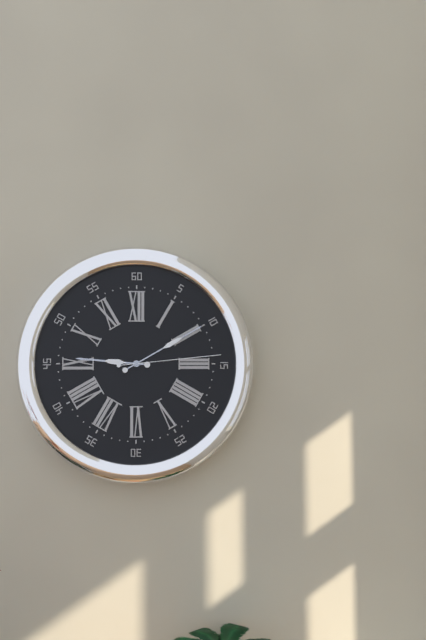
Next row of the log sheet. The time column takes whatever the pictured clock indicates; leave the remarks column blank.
9:10:14
